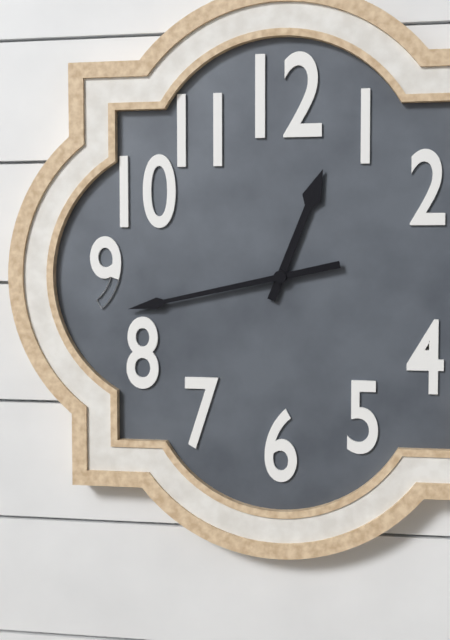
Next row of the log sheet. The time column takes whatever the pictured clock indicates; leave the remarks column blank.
12:43
